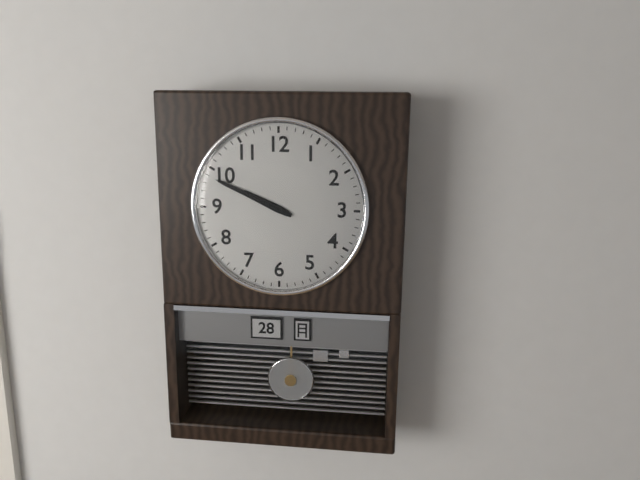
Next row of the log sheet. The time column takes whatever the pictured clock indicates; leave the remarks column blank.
9:49
